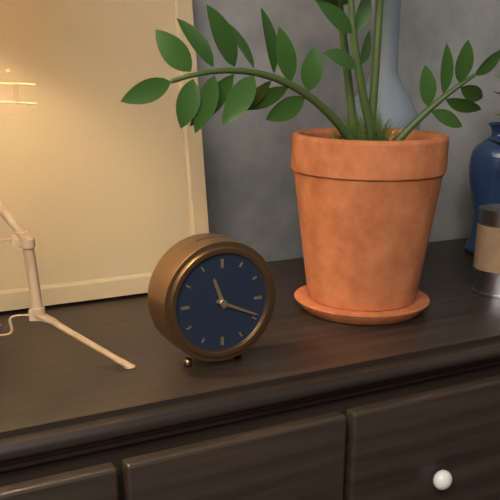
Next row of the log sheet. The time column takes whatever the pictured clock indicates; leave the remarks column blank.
11:19
